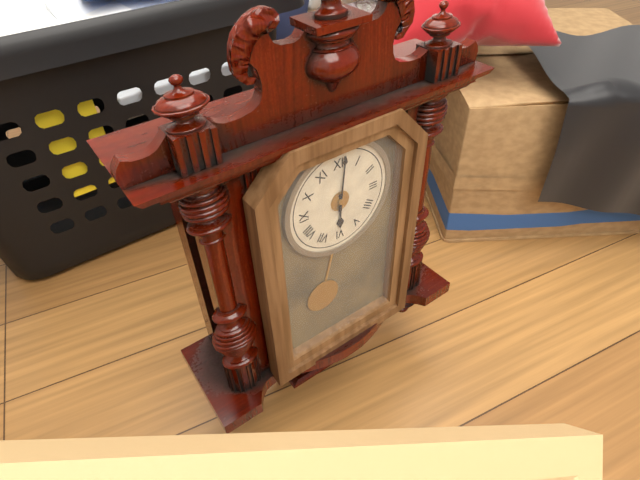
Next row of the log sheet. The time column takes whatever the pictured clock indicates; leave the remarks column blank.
6:01
